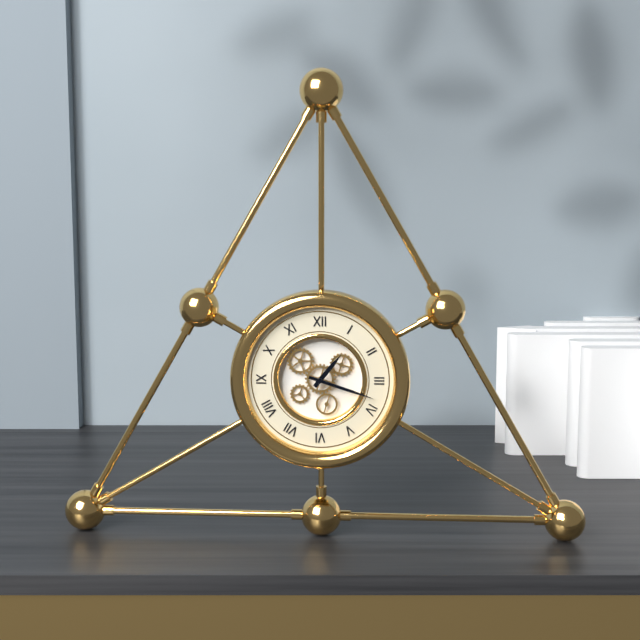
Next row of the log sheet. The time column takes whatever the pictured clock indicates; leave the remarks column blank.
1:18
